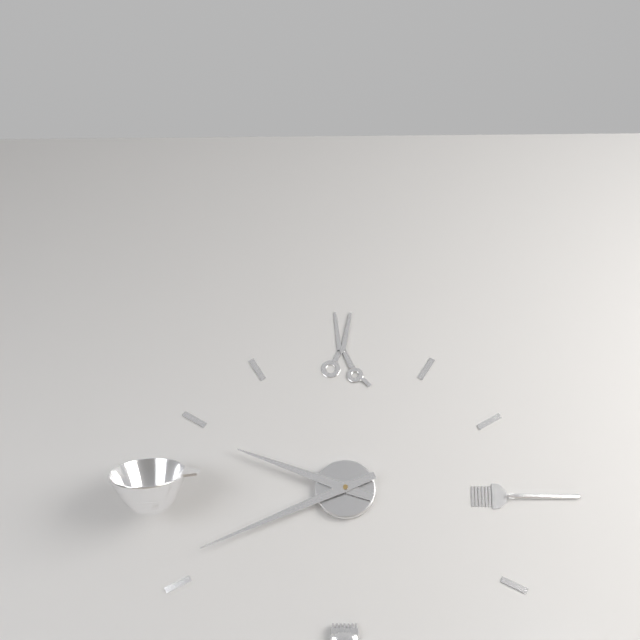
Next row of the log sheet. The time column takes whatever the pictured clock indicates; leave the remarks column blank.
9:41
